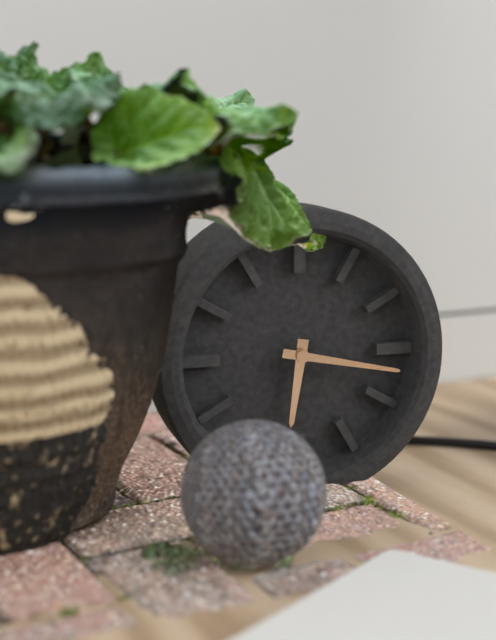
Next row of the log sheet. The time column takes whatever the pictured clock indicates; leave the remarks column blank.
6:17
